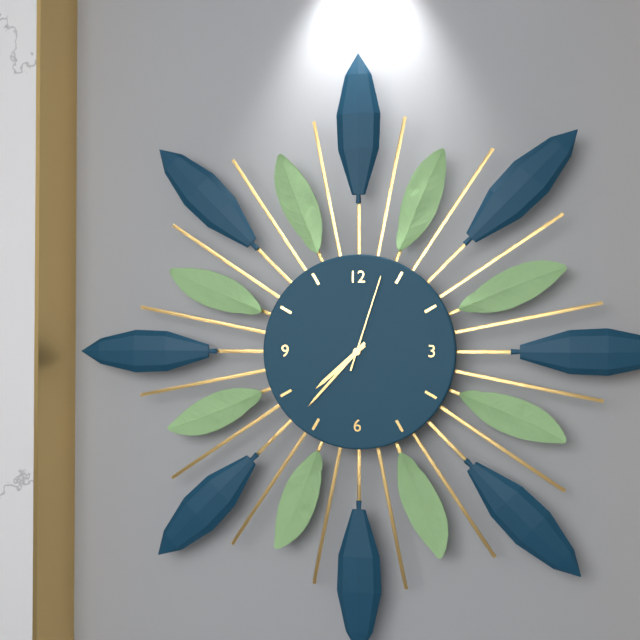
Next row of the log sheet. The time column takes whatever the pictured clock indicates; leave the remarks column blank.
7:37:03
